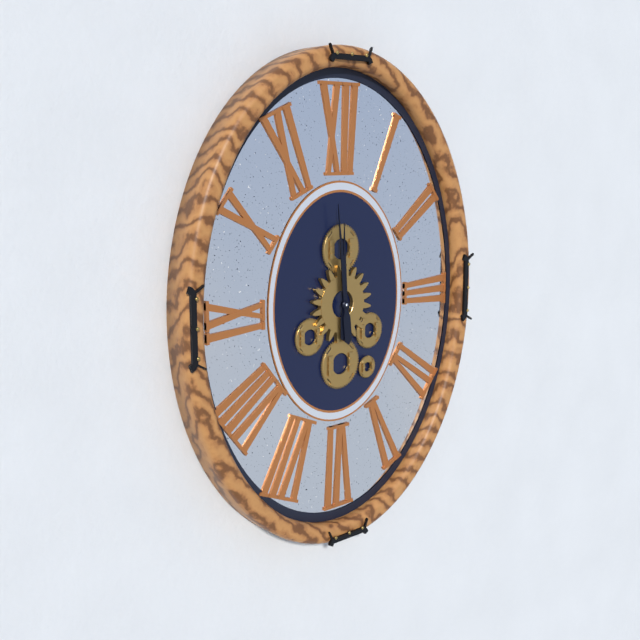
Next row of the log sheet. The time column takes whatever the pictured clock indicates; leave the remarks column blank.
11:59
